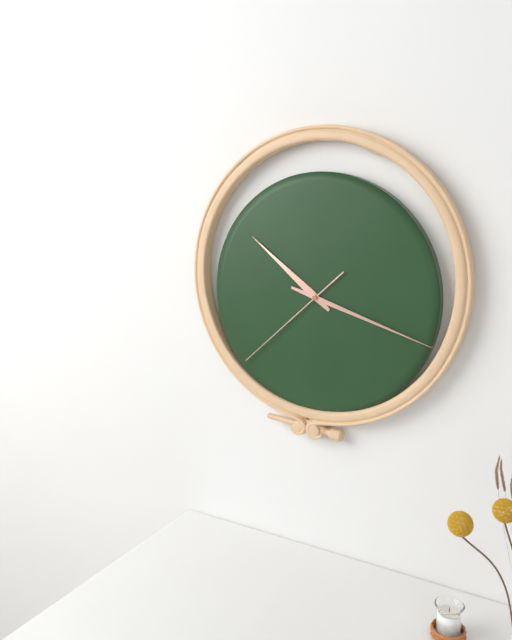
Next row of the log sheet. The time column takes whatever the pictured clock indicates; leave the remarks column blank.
10:18:38
